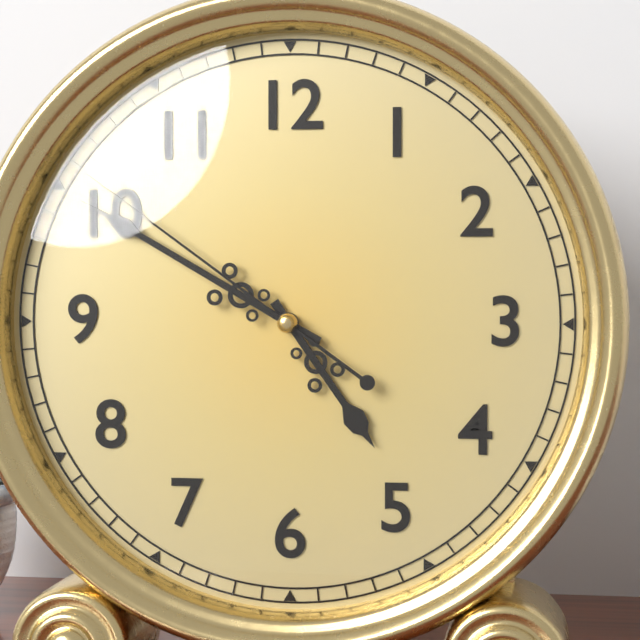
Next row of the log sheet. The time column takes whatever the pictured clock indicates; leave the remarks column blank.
4:50:51
